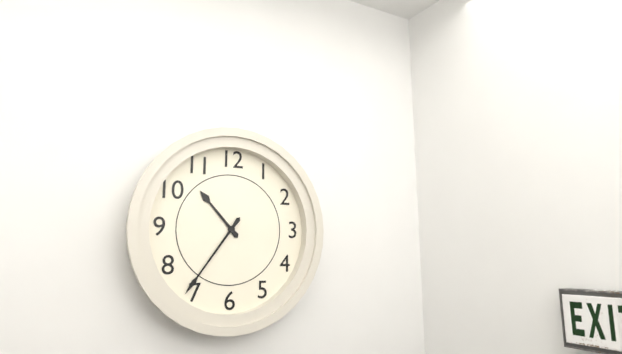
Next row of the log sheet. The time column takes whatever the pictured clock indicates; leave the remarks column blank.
10:36
